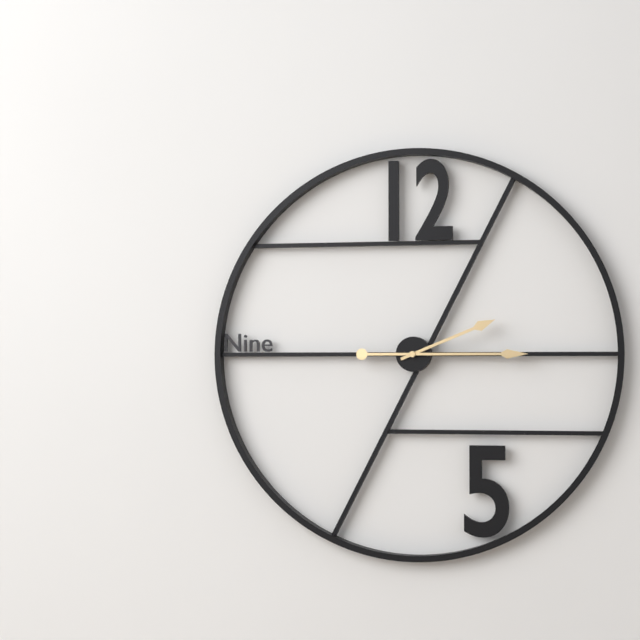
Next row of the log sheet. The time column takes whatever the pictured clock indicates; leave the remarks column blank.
2:15
